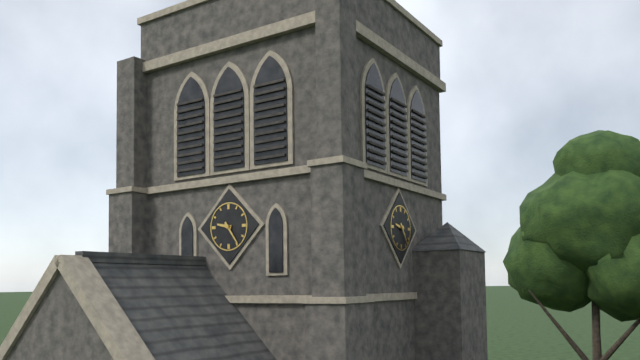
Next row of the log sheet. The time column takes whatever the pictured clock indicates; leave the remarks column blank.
9:24
